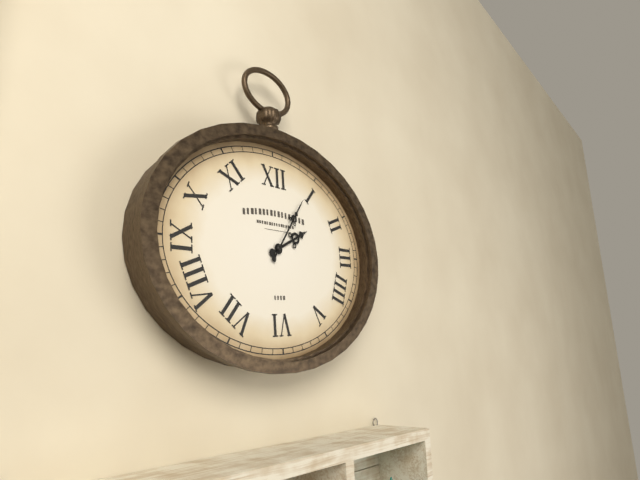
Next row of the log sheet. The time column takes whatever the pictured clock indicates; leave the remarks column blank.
2:06
